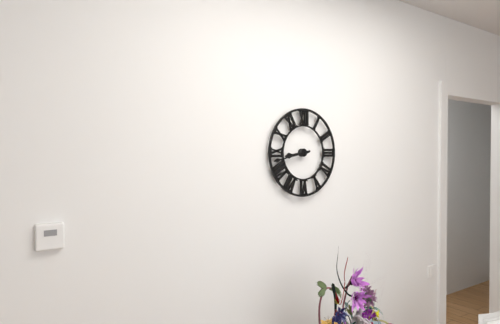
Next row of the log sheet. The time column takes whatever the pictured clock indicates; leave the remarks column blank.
8:43
